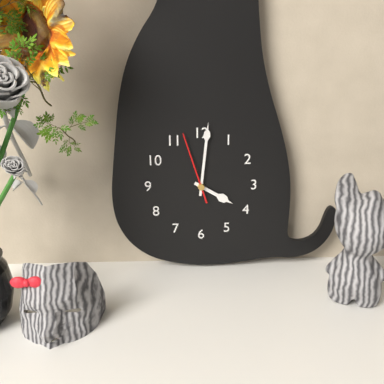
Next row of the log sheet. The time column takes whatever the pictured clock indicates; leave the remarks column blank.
4:01:57
